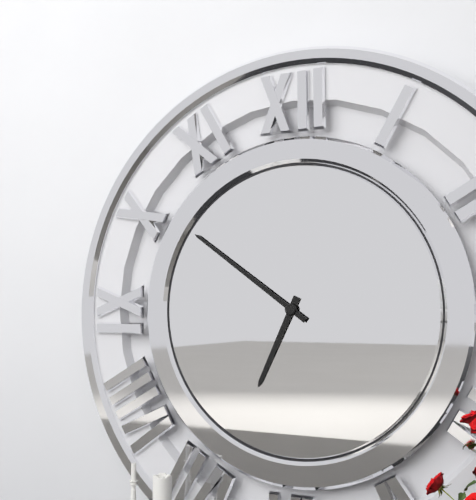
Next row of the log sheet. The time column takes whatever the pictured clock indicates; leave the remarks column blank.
6:51
